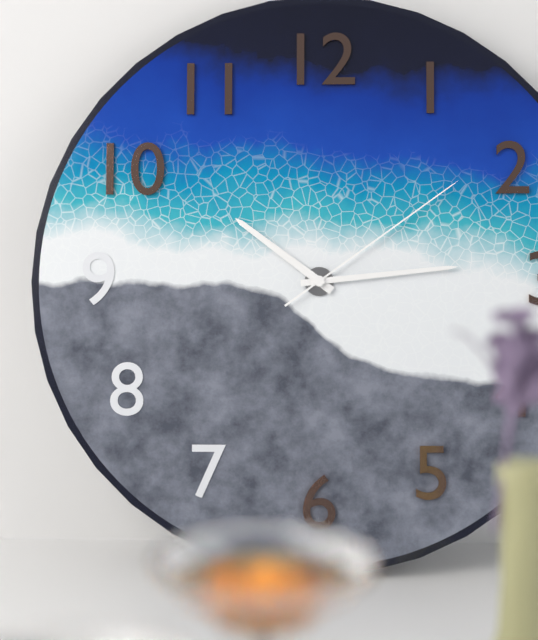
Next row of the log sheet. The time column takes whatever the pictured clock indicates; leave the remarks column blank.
10:14:09
